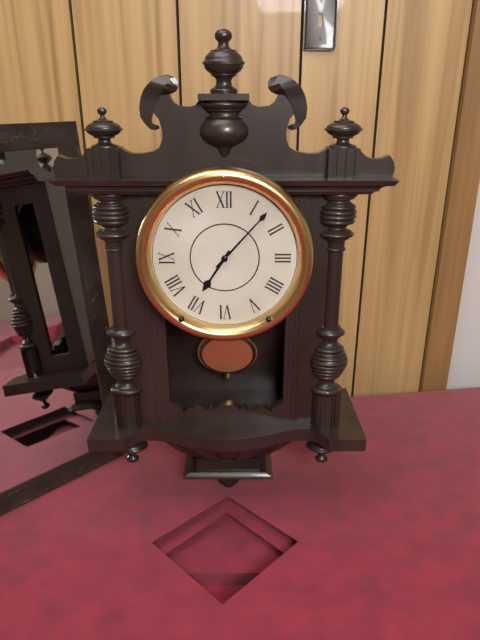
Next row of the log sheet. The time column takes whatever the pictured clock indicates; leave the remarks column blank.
7:07
